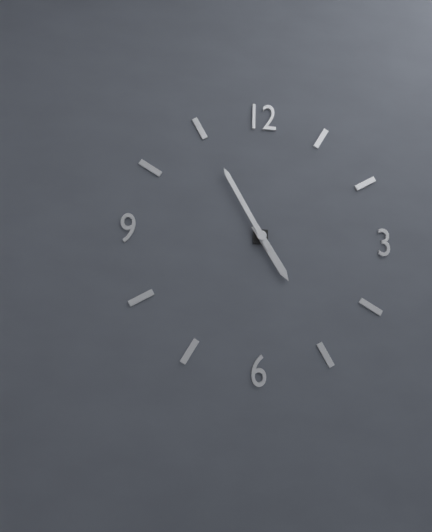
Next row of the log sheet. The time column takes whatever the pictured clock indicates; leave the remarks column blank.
4:55
